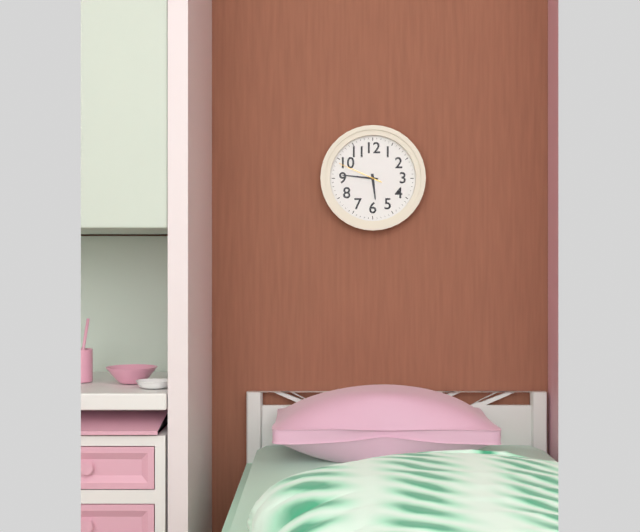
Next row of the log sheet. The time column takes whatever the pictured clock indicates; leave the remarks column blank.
5:46
